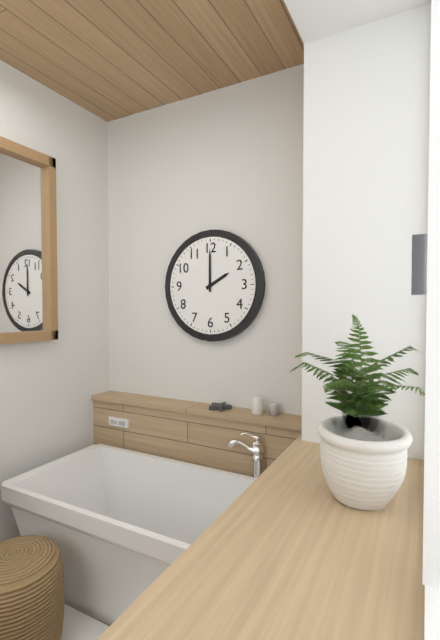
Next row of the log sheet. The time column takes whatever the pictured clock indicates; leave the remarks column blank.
2:00
